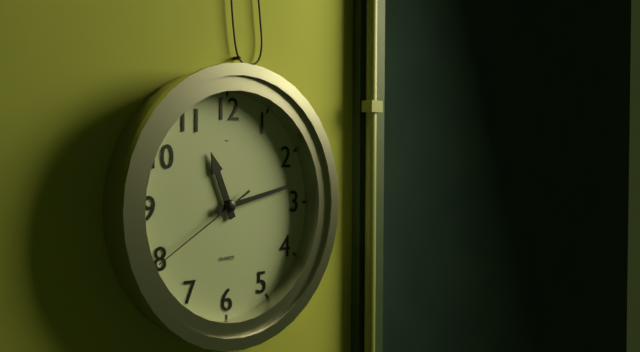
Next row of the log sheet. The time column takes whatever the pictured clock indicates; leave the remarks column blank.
11:13:40
